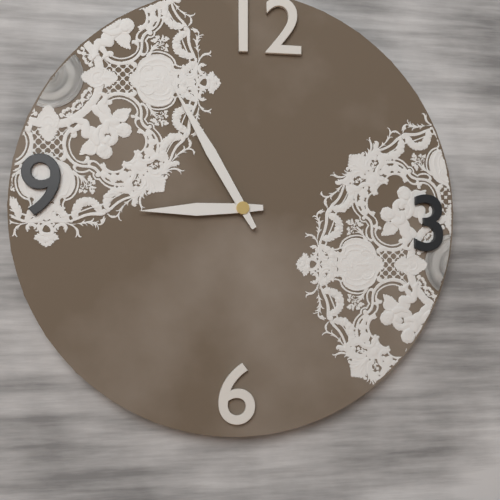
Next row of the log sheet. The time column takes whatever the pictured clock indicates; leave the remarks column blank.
8:55
